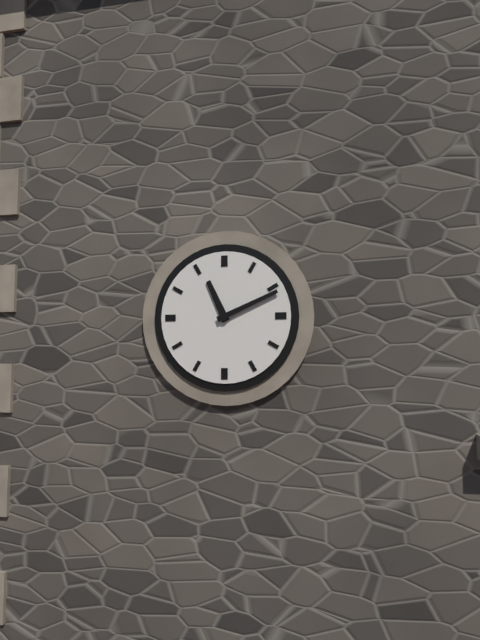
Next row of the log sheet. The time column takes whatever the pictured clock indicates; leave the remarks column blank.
11:11
